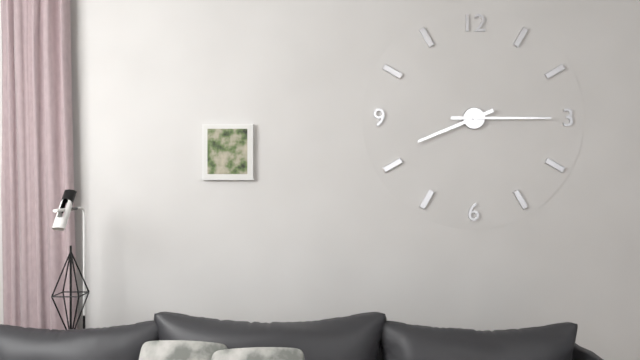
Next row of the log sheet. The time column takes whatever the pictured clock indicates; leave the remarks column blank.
8:15
